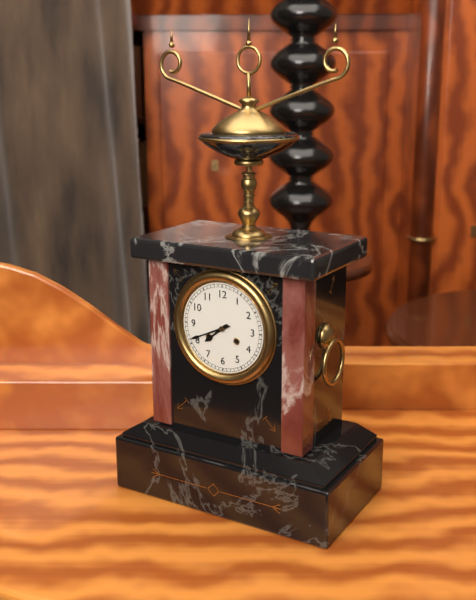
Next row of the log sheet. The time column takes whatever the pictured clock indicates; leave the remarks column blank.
7:41
